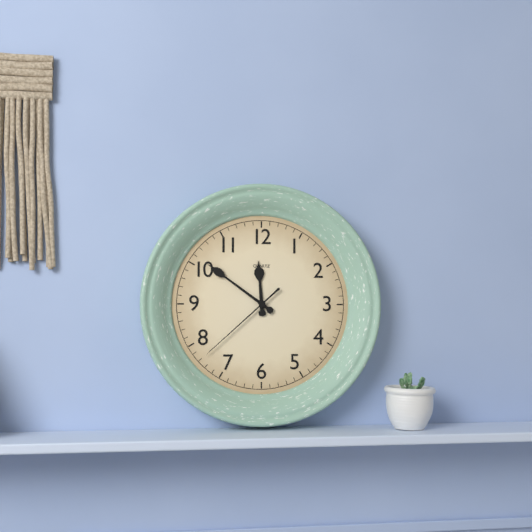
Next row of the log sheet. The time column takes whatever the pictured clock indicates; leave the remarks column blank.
11:51:38
